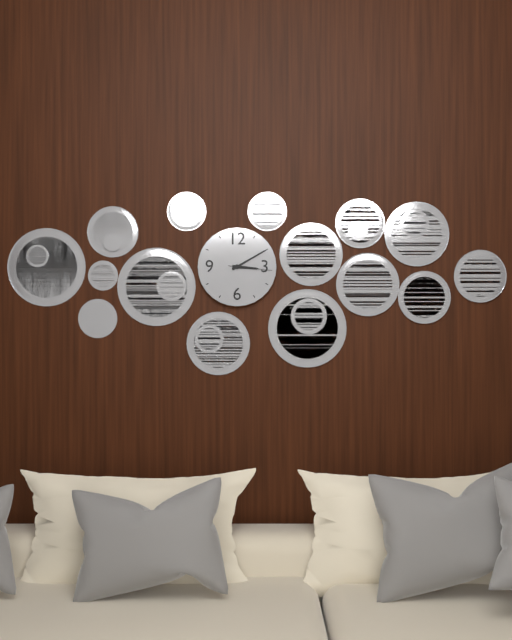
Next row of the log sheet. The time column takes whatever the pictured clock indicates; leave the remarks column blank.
3:10
